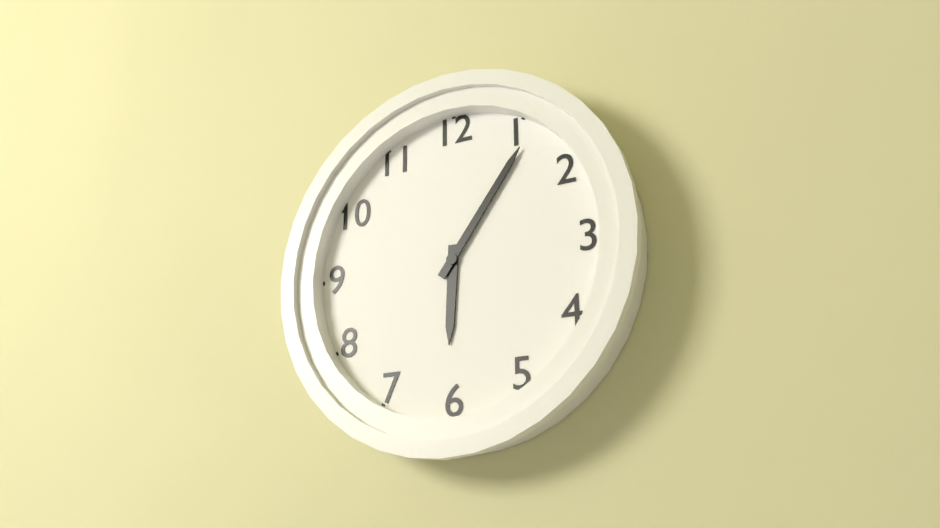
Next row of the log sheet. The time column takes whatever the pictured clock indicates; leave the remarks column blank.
6:06
